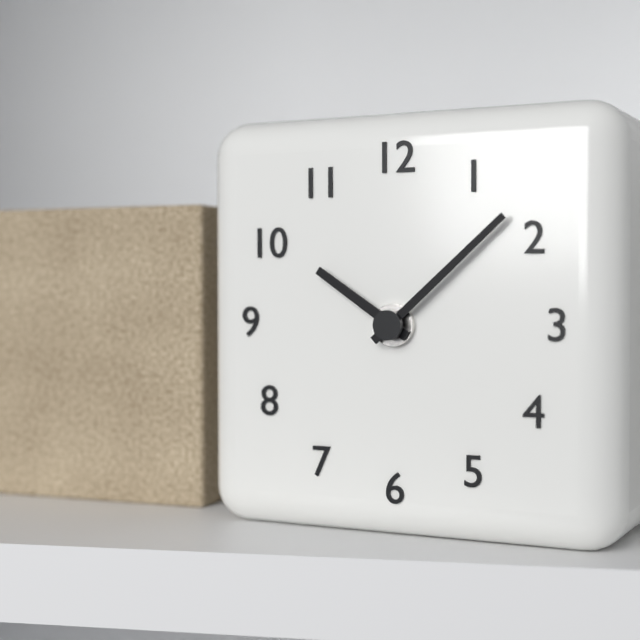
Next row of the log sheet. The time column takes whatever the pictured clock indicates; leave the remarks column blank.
10:08
